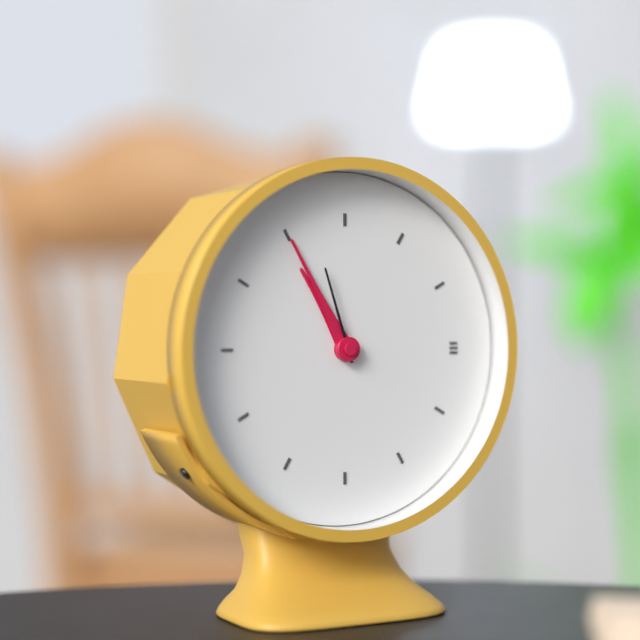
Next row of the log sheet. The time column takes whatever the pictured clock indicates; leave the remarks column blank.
10:55:57
